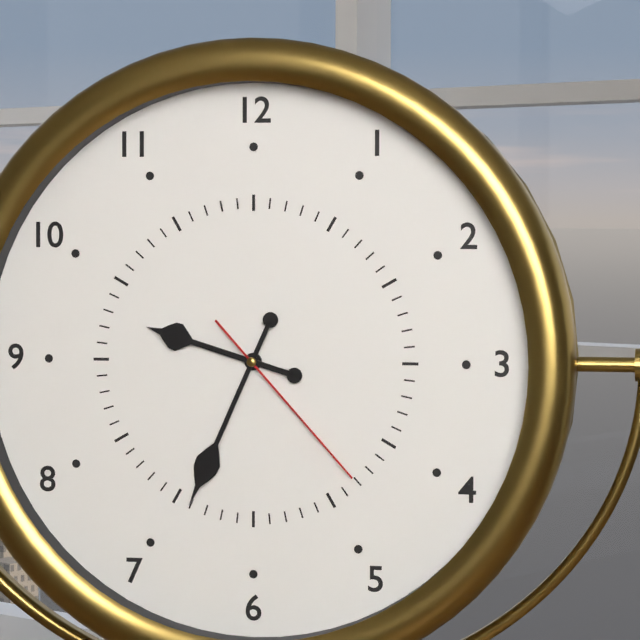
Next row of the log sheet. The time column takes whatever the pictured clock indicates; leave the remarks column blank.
9:34:23
